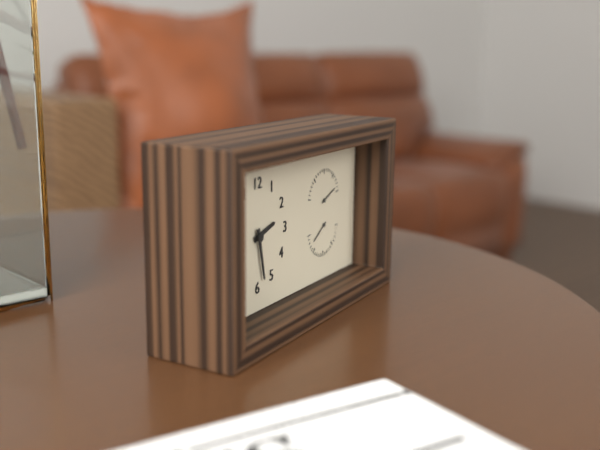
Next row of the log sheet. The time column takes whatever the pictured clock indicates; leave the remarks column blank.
2:28
